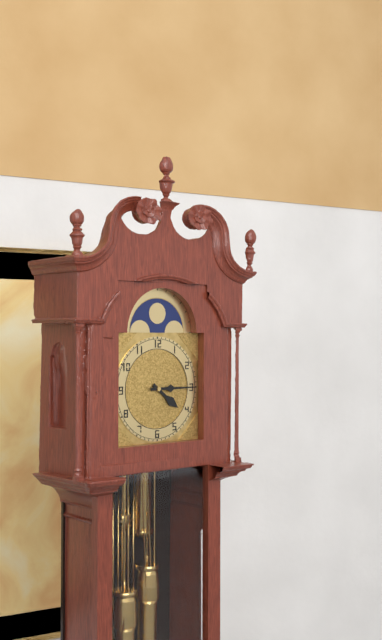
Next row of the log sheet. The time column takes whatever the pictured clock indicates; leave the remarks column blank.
4:15
